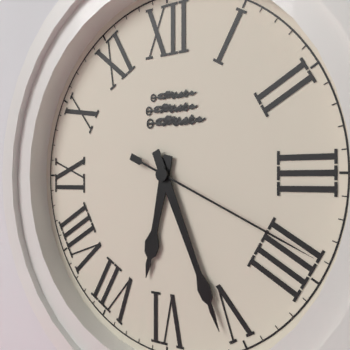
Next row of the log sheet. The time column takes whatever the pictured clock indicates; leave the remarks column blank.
6:26:19
